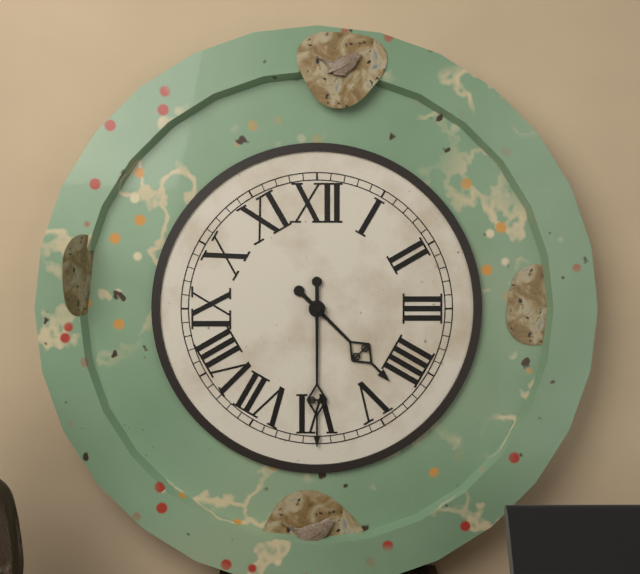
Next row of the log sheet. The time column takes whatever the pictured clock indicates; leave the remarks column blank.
4:30
